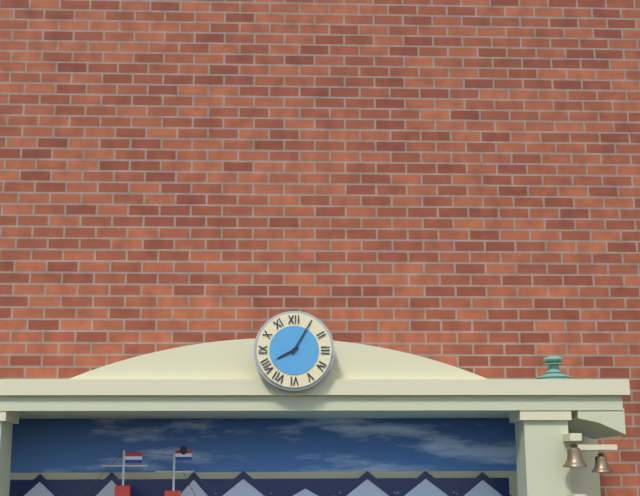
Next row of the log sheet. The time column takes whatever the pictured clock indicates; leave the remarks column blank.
8:05
